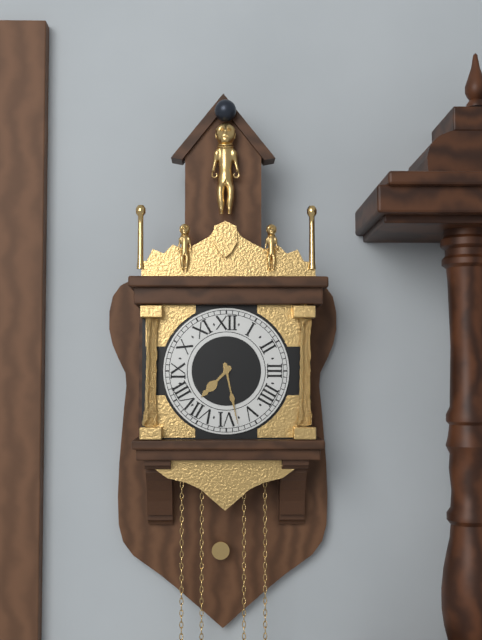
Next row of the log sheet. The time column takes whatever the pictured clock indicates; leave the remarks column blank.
7:28
